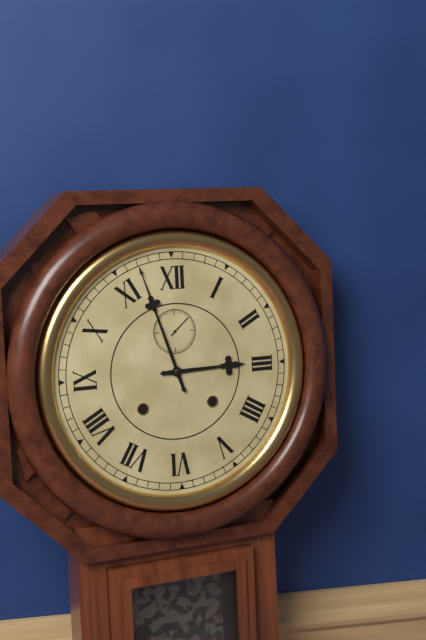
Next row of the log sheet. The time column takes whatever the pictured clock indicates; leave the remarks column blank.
2:57
